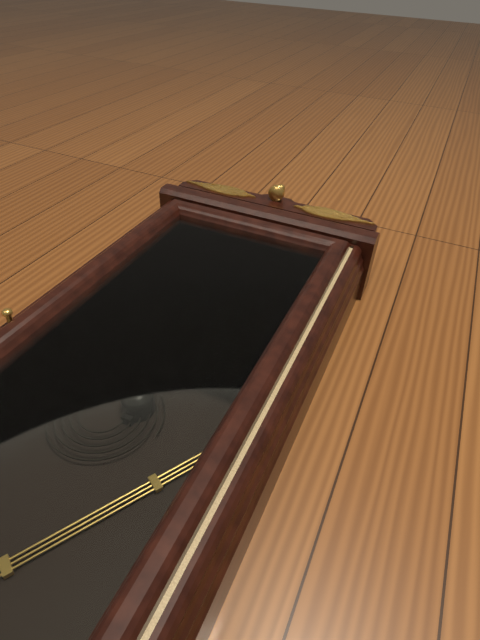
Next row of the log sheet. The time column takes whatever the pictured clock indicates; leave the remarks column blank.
2:08
